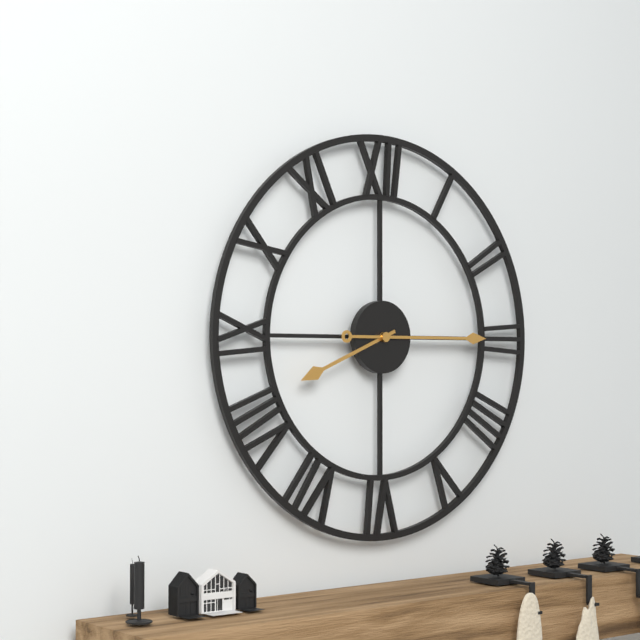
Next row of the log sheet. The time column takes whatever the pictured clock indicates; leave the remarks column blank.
8:15
